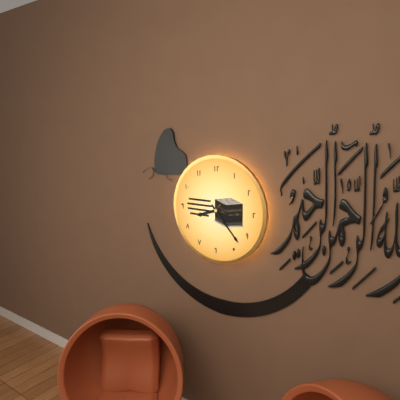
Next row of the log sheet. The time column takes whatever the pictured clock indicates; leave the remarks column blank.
8:23
